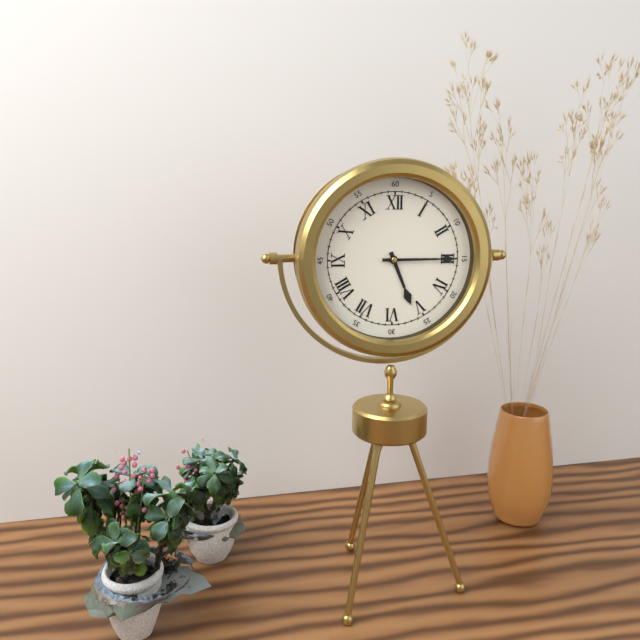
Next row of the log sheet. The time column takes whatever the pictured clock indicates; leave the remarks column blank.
5:15
